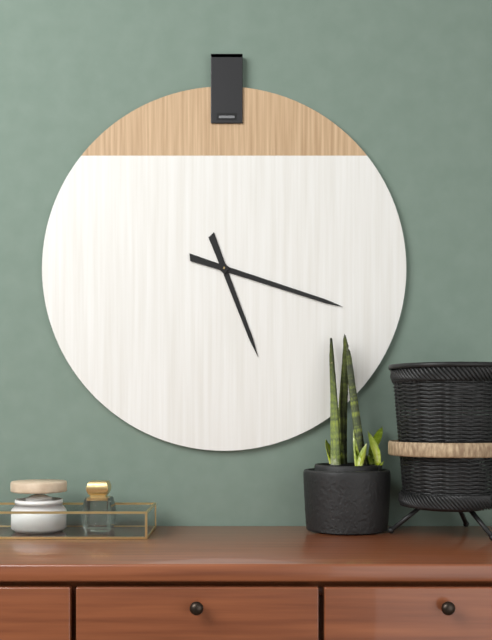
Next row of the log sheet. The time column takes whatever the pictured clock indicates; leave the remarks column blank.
5:18
